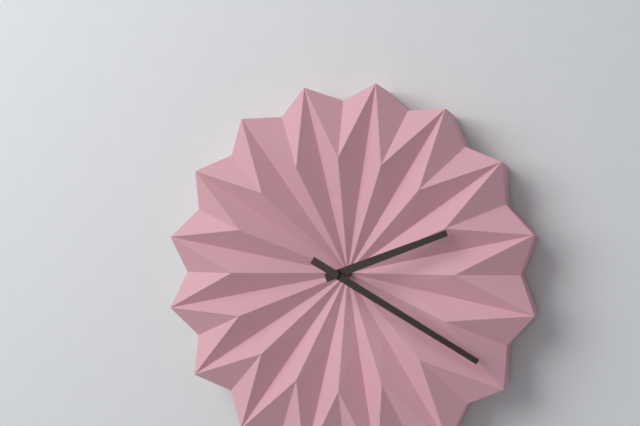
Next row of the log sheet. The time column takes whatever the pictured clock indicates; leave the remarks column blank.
2:20
